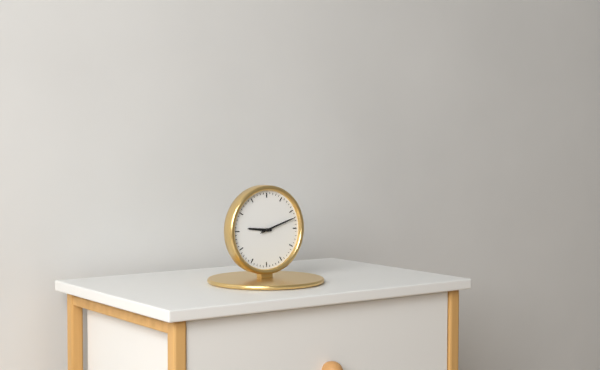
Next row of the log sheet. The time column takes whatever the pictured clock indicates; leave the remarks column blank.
9:12
